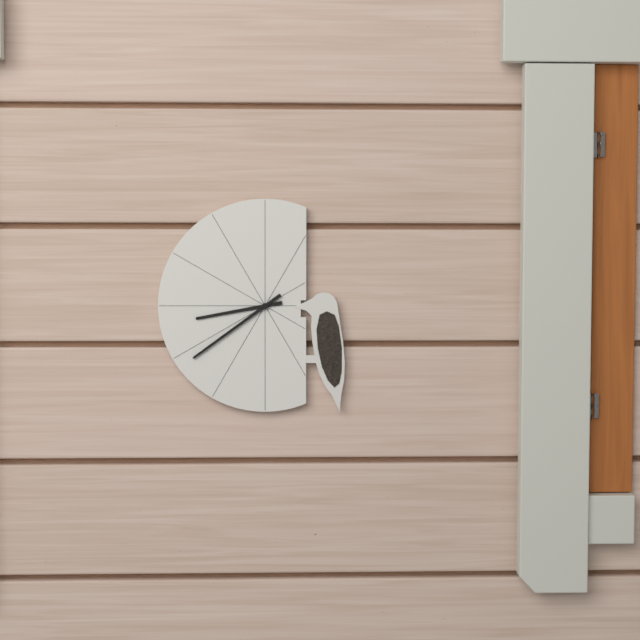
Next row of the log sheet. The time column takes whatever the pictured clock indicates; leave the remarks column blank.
8:39
